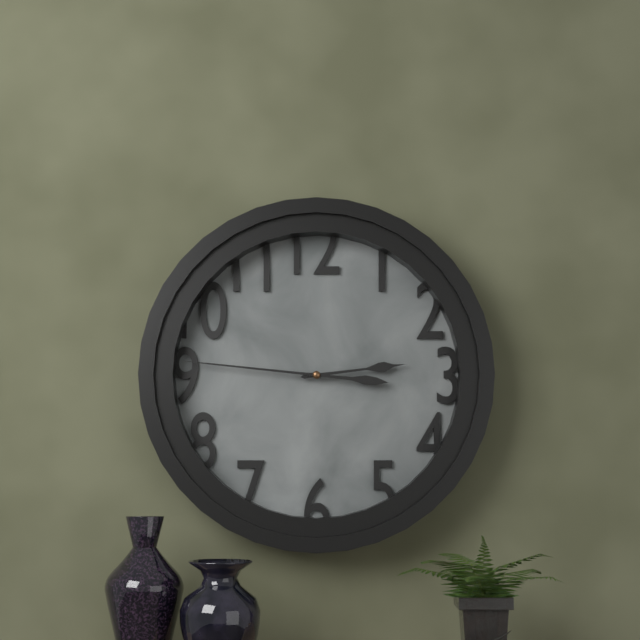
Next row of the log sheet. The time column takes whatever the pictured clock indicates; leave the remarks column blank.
2:46
